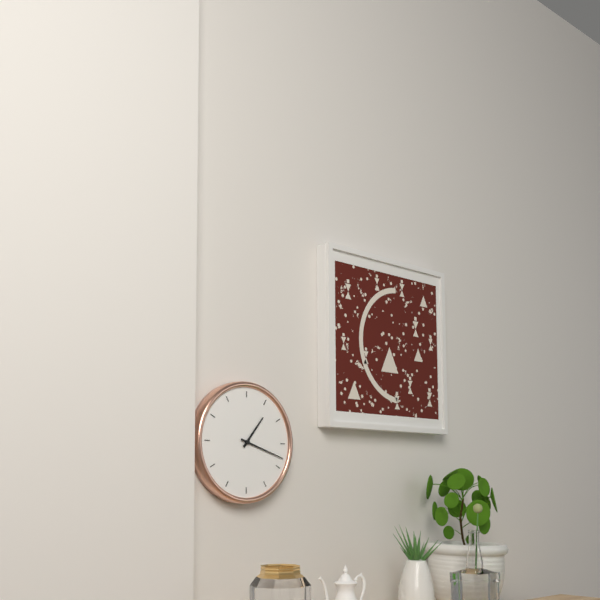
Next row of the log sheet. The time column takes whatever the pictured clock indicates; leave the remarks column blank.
1:18
